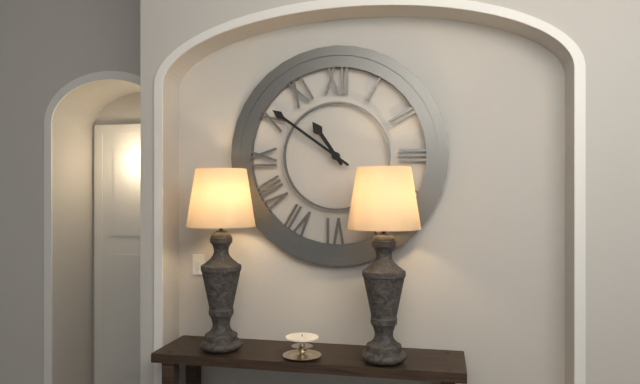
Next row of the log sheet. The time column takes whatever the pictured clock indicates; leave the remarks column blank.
10:51
